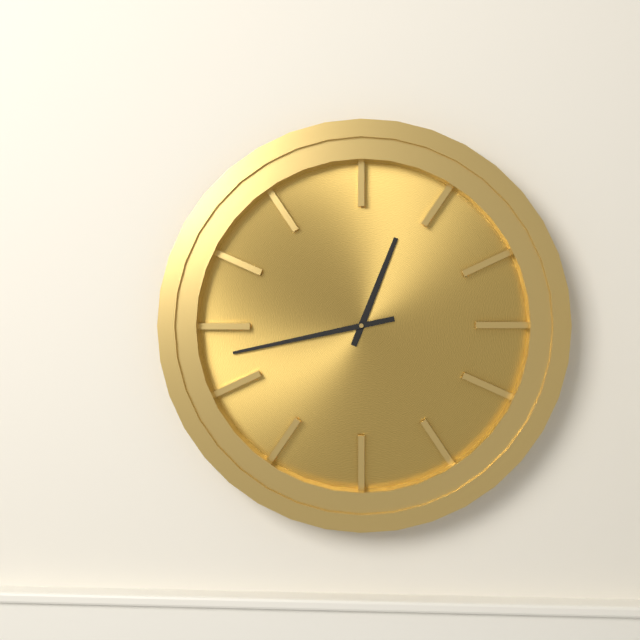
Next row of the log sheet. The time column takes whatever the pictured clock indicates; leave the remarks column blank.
12:43
